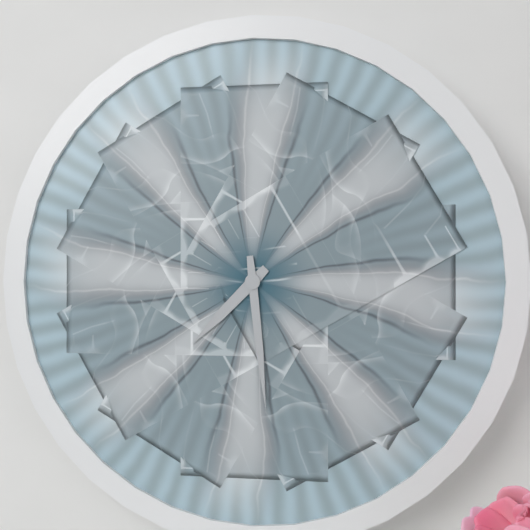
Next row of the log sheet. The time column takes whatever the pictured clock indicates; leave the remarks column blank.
7:29
